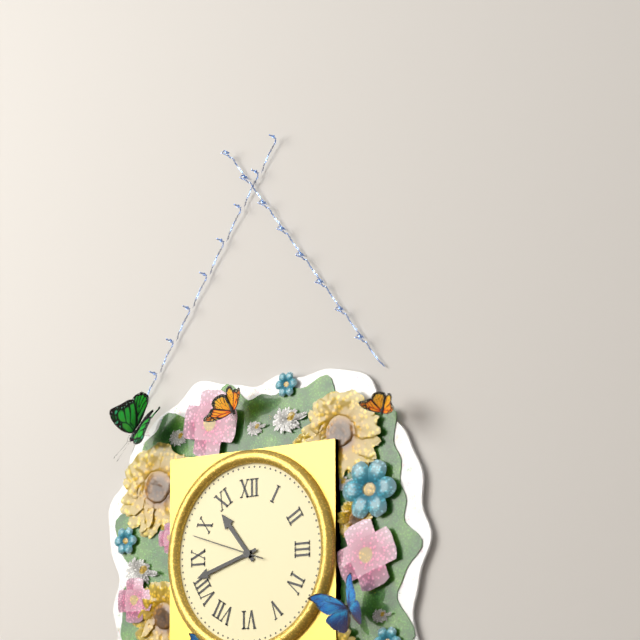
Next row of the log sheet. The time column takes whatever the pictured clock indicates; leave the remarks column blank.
10:42:48
